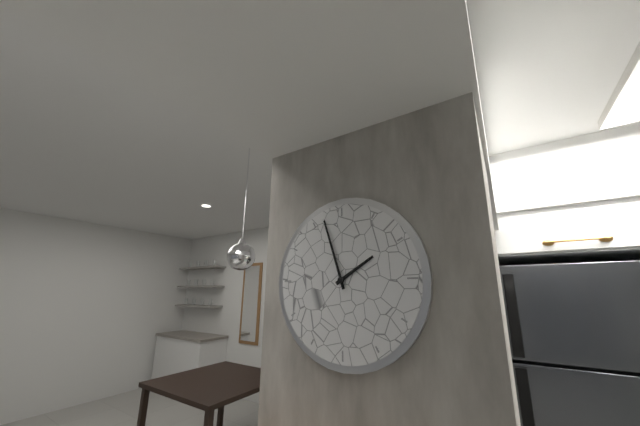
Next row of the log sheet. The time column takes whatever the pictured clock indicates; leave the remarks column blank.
1:57
